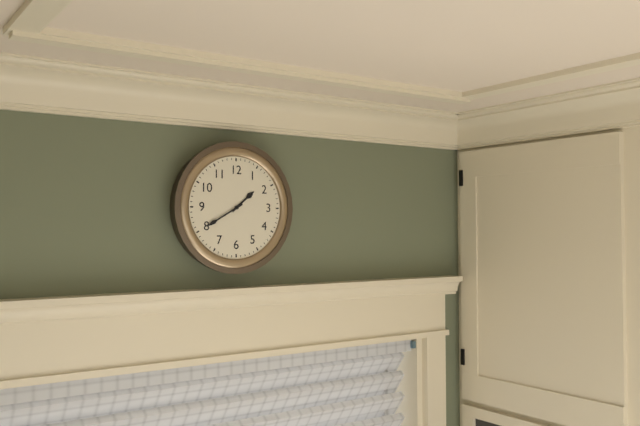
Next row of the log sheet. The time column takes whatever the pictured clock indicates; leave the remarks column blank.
1:40
